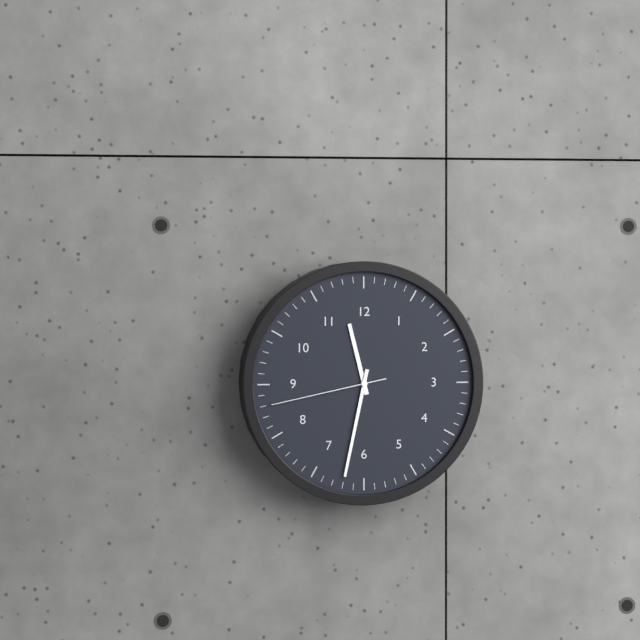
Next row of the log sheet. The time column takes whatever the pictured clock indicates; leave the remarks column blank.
11:32:43
